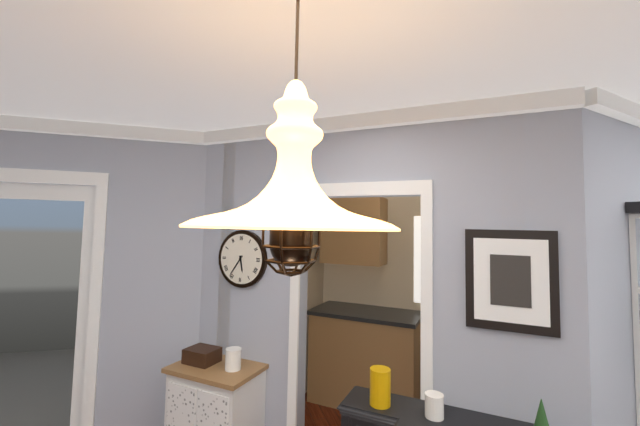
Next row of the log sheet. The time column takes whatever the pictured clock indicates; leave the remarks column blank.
5:36
